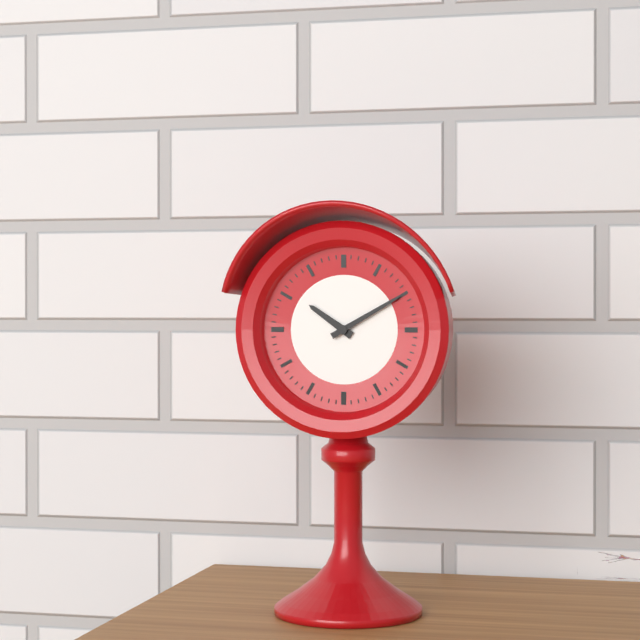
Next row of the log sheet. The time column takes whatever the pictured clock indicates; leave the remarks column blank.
10:10
